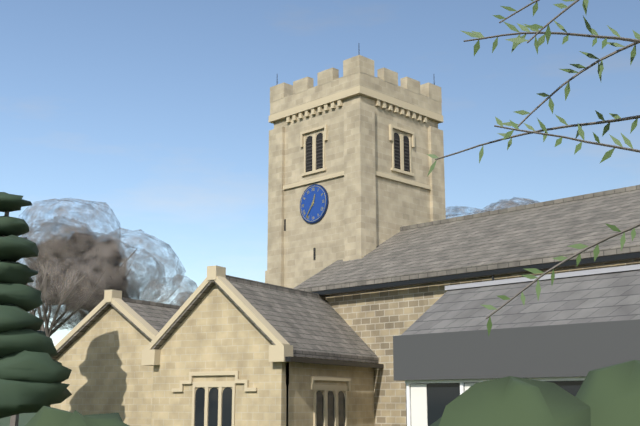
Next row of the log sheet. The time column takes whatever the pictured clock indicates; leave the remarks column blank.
12:36
